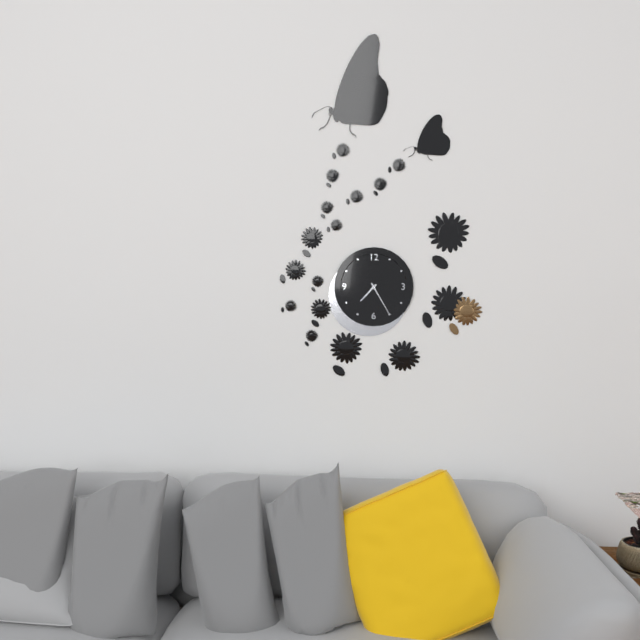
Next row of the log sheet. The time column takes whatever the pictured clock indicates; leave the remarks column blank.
7:25
